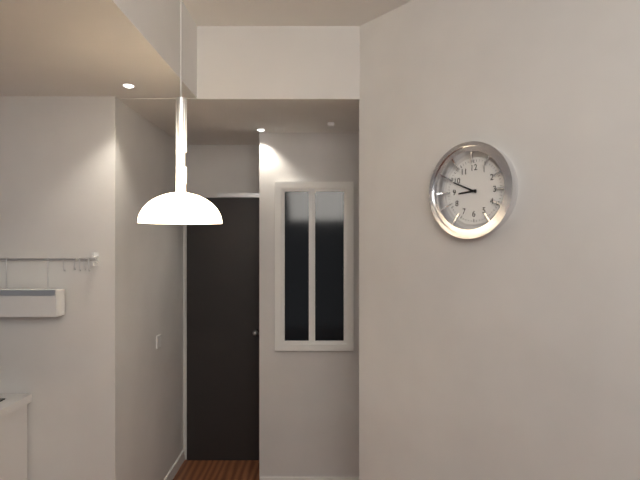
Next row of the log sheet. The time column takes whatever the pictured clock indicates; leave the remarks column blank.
8:49
